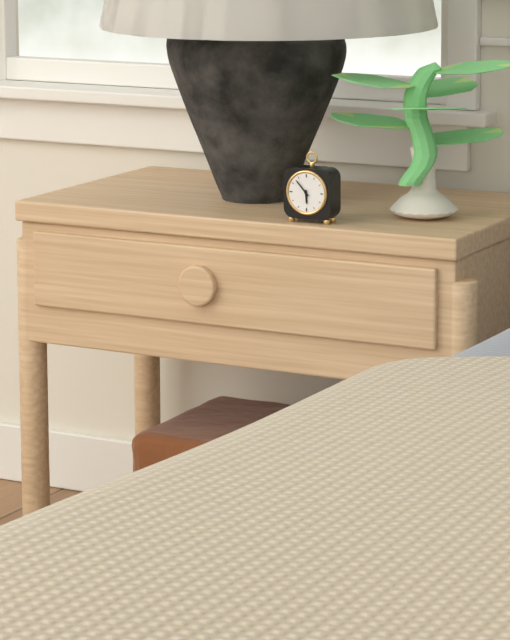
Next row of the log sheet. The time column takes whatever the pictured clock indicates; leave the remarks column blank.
5:53
